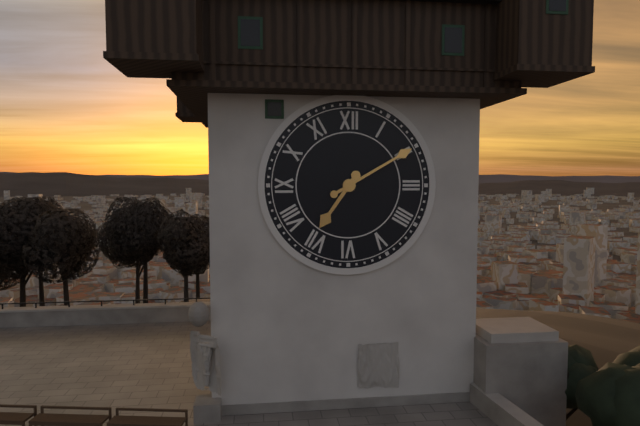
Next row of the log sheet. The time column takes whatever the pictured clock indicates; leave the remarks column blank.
7:10
